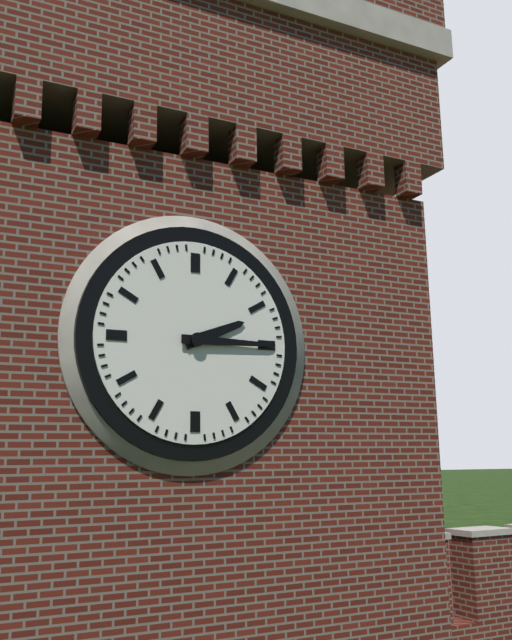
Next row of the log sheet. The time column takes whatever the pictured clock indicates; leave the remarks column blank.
2:15
